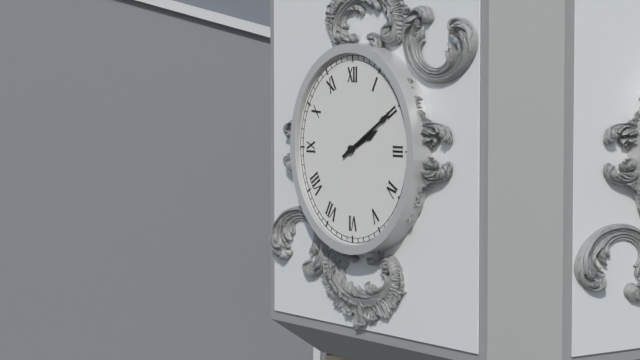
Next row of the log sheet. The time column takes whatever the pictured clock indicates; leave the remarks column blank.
2:10
